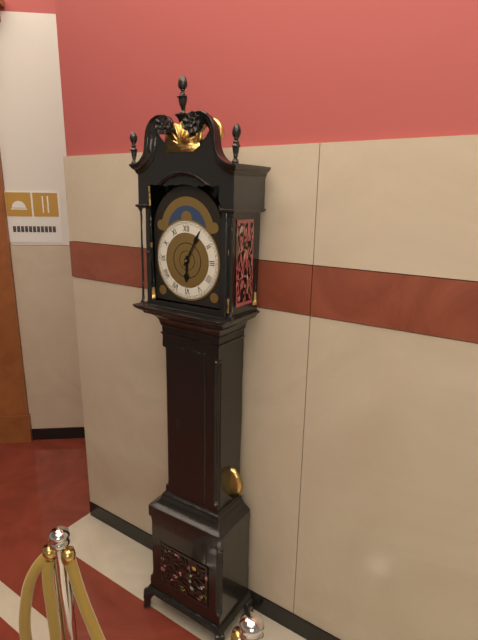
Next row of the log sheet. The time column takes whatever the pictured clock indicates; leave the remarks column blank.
6:05
